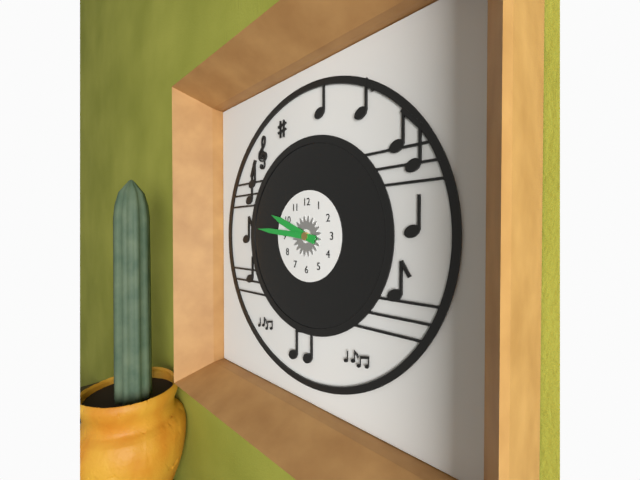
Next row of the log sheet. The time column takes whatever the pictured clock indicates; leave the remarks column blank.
9:46
